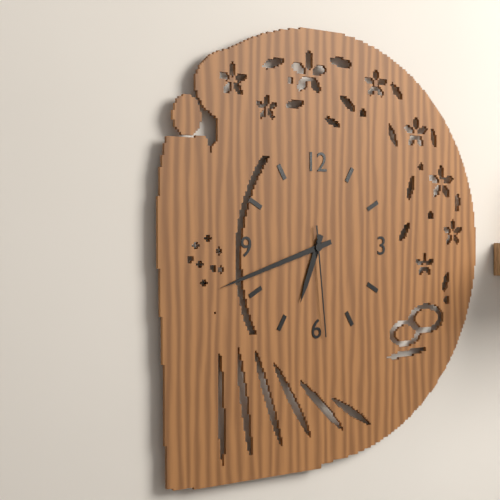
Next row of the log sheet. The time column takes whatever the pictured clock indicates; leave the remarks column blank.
6:42:29
